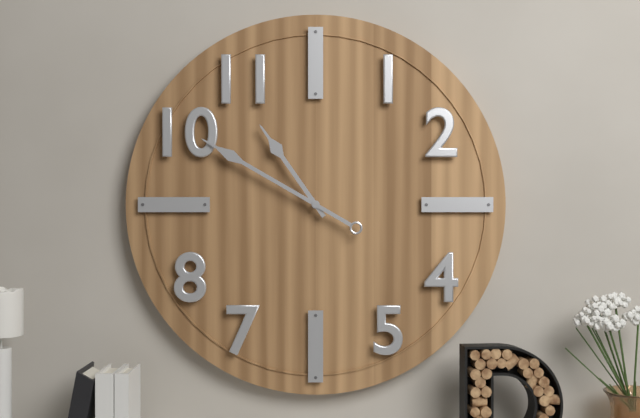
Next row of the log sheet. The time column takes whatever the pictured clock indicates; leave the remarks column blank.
10:50
